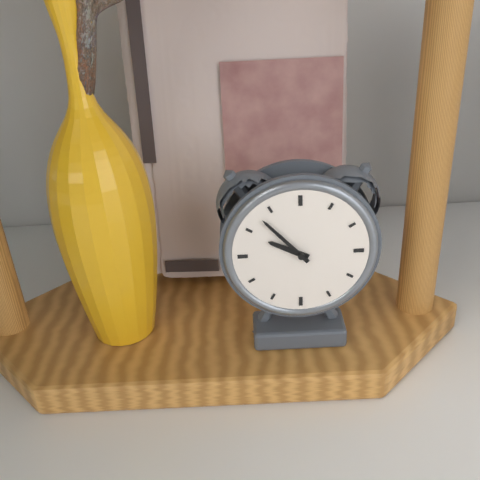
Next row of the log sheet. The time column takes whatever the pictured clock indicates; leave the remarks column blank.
9:53
